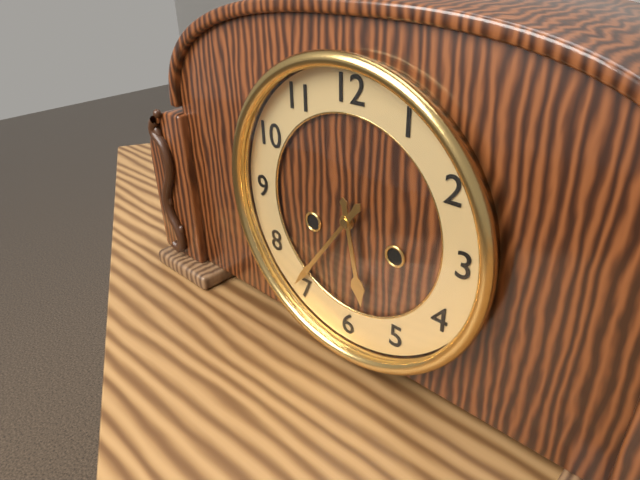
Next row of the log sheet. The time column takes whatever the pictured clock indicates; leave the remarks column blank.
5:36
